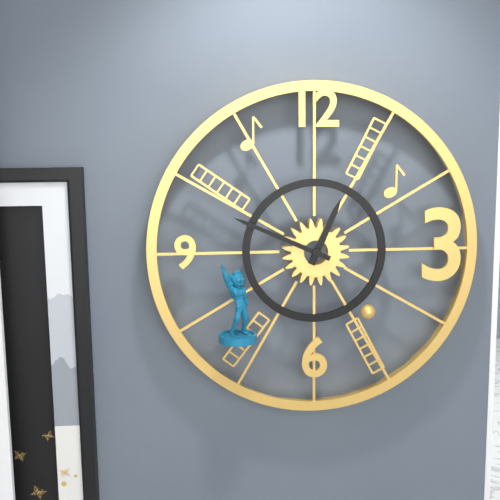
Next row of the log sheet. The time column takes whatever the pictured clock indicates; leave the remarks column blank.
12:49
